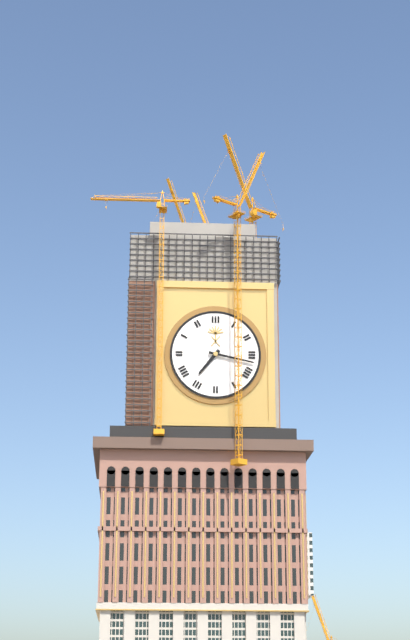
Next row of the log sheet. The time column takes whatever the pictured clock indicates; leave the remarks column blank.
7:17
